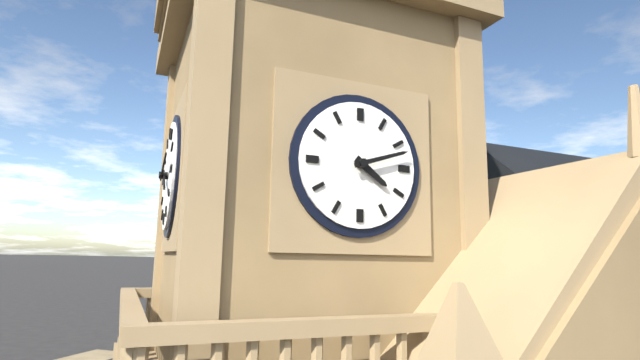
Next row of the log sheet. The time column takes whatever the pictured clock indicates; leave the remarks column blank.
4:12
